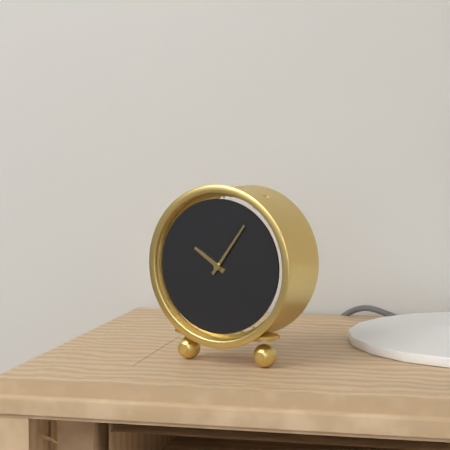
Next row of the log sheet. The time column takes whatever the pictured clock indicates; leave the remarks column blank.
10:06
